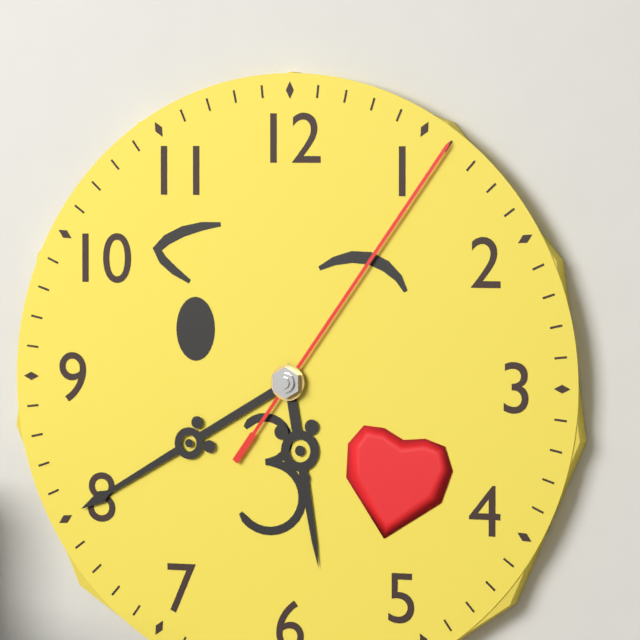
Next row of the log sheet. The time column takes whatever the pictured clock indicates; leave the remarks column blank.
5:40:06
